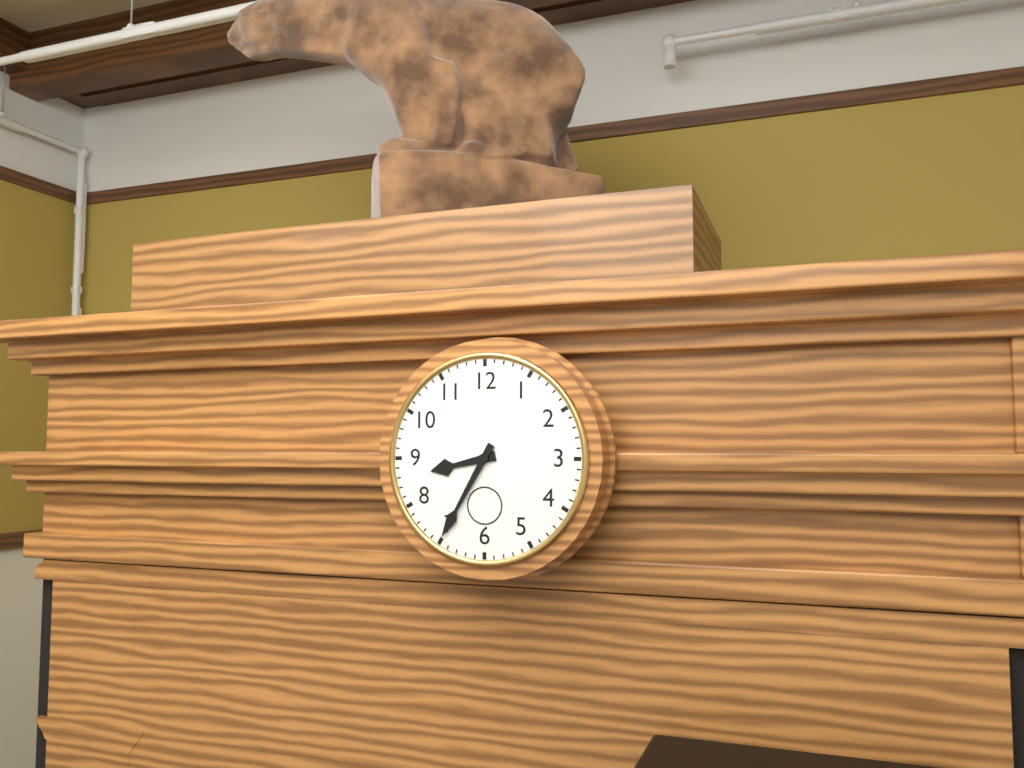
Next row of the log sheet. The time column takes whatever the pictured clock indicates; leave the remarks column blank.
8:35
